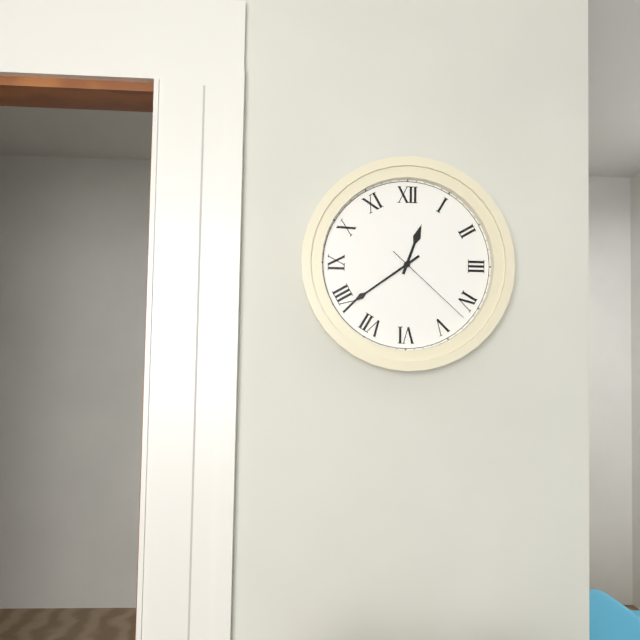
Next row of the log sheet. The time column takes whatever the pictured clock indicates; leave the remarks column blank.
12:39:22
